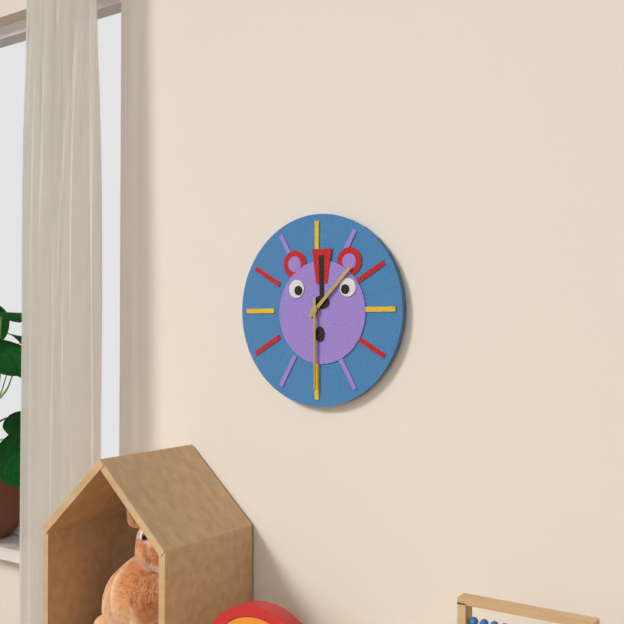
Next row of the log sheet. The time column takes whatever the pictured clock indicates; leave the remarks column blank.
1:30
